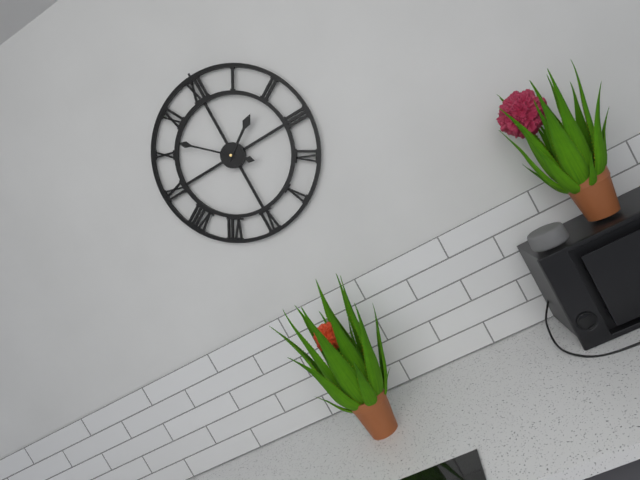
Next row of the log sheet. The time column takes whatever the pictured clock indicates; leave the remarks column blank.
1:52
